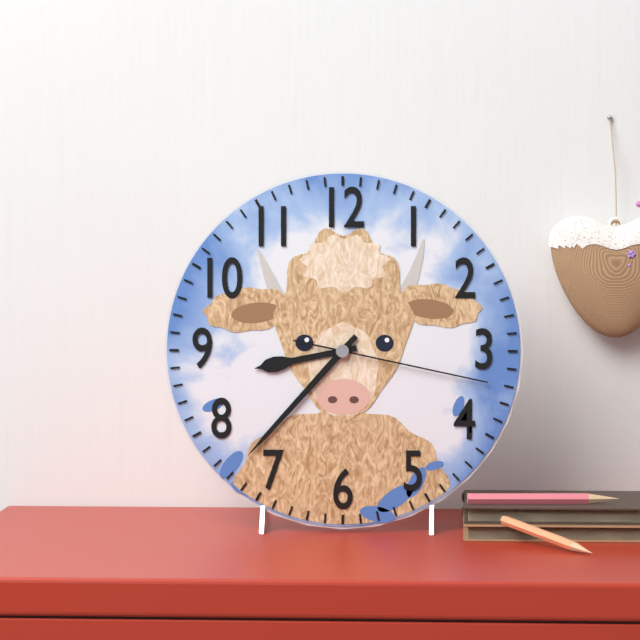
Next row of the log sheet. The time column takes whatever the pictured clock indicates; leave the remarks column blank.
8:37:17
